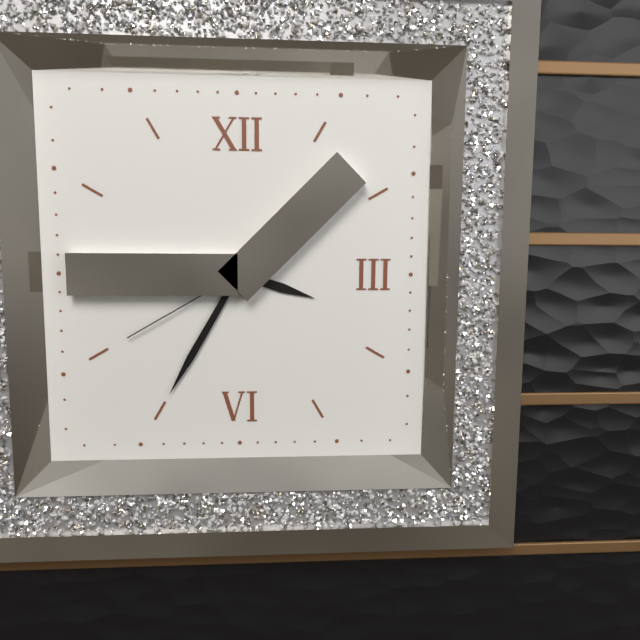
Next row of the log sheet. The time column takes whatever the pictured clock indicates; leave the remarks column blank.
3:35:40
